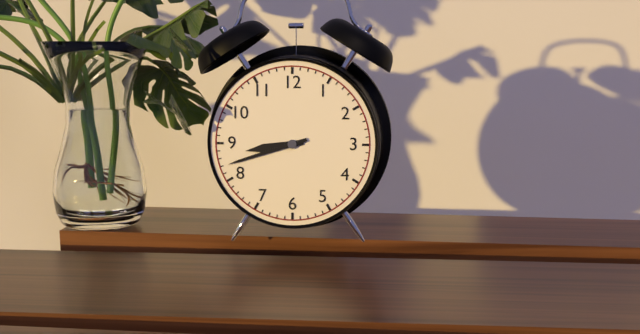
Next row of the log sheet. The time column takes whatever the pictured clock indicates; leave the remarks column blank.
8:42
